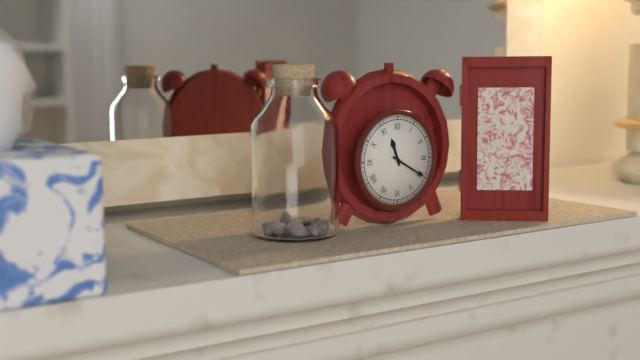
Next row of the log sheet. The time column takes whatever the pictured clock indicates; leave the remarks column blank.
11:20
